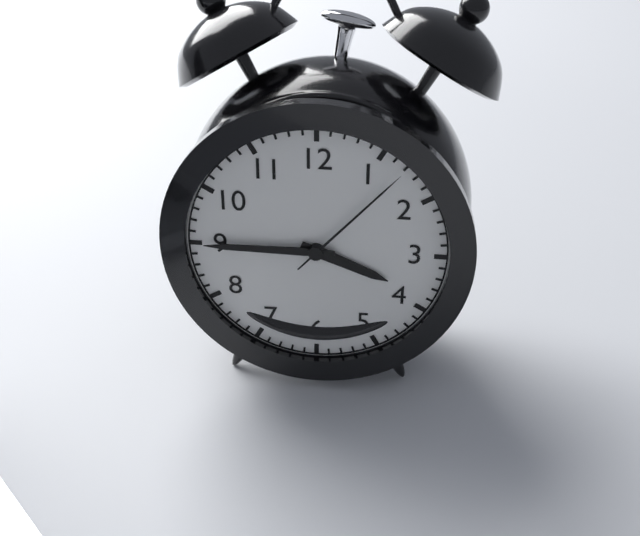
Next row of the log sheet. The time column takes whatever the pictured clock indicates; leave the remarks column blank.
3:45:07
